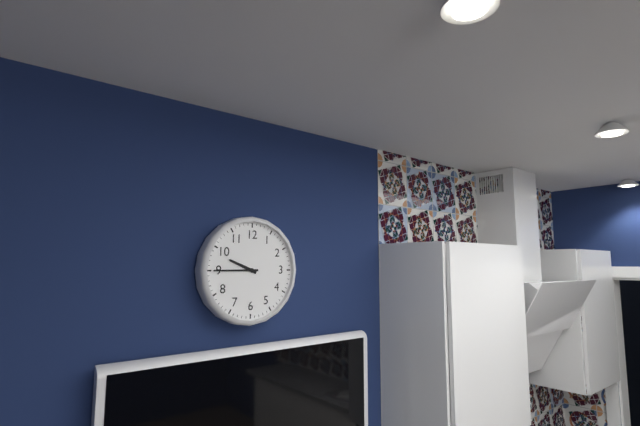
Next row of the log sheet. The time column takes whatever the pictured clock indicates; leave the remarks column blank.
9:45
